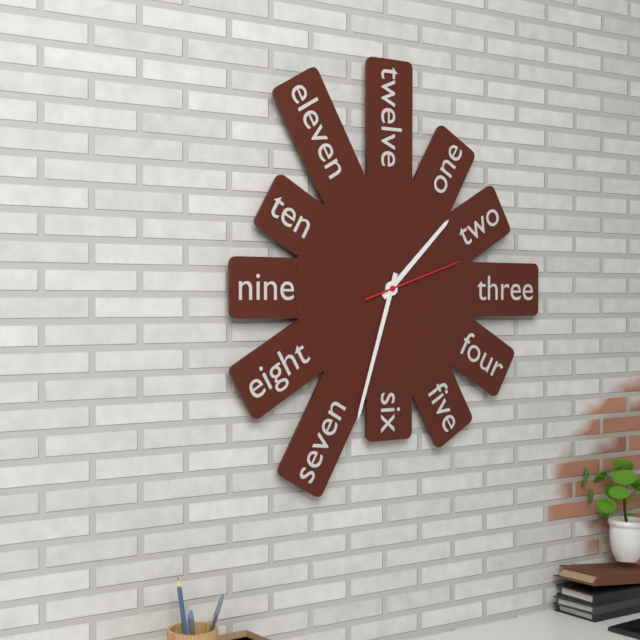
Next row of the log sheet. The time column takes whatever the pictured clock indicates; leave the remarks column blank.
1:33:12
